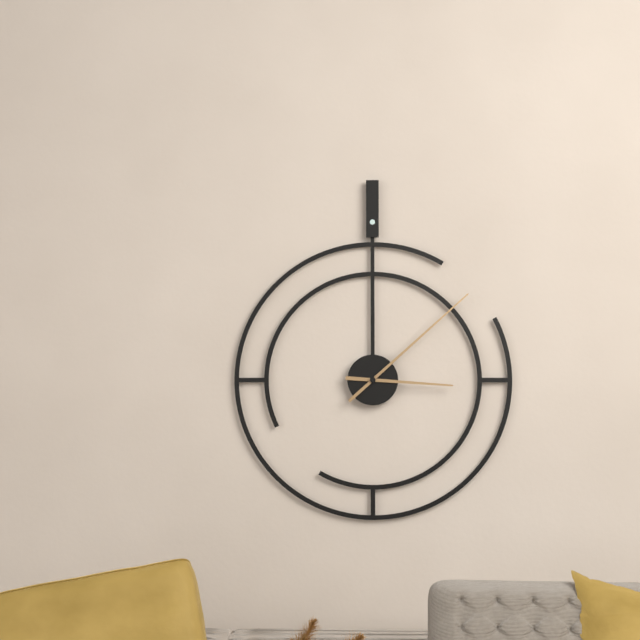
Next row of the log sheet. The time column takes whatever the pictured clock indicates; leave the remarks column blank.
3:08
